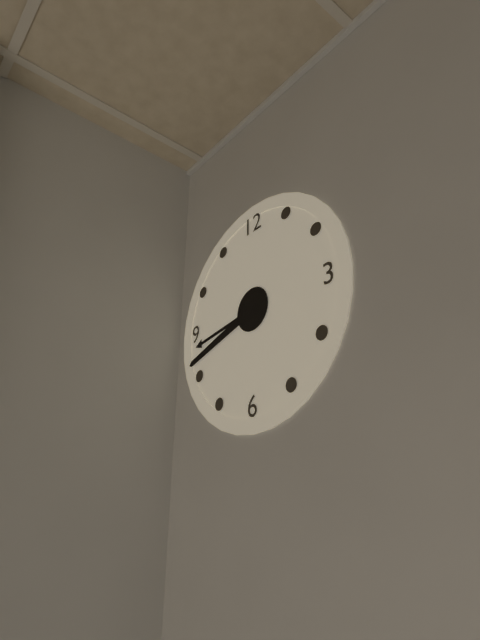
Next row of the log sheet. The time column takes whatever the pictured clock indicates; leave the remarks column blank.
8:42
